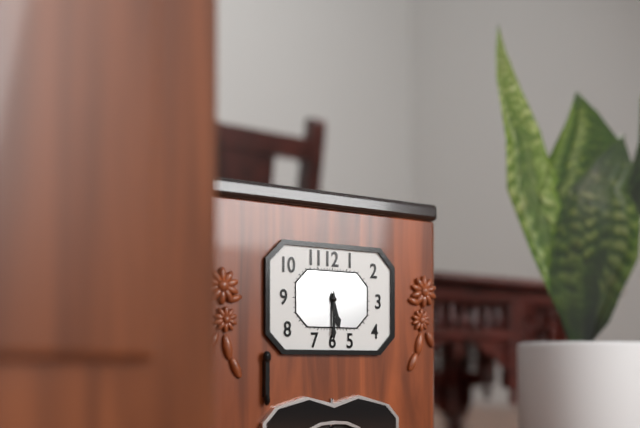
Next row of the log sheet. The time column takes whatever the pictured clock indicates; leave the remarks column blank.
5:30
